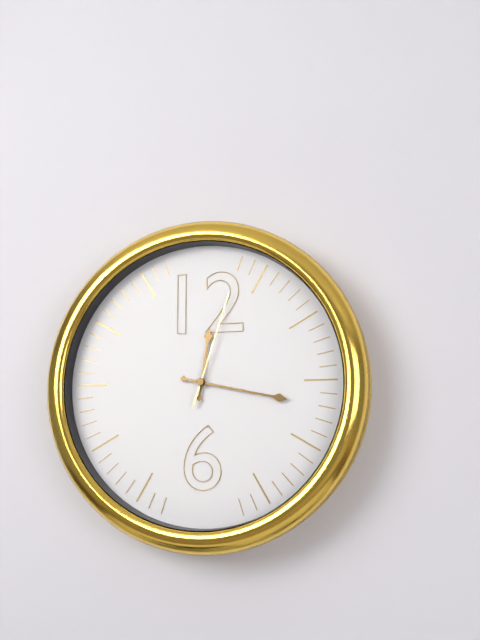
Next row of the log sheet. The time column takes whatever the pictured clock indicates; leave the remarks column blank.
12:17:03
